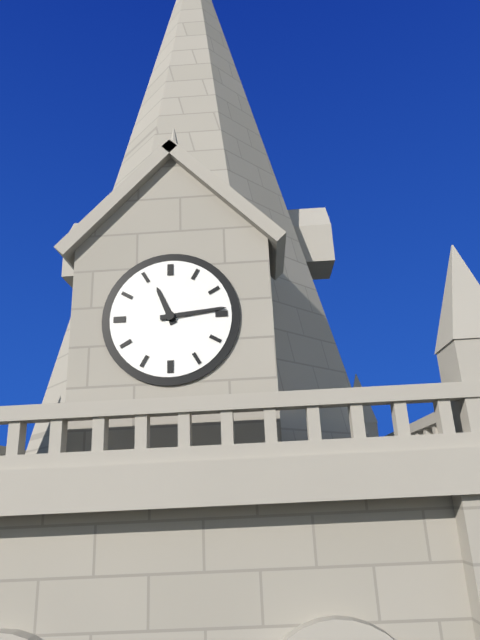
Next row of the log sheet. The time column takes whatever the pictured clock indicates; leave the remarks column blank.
11:14
